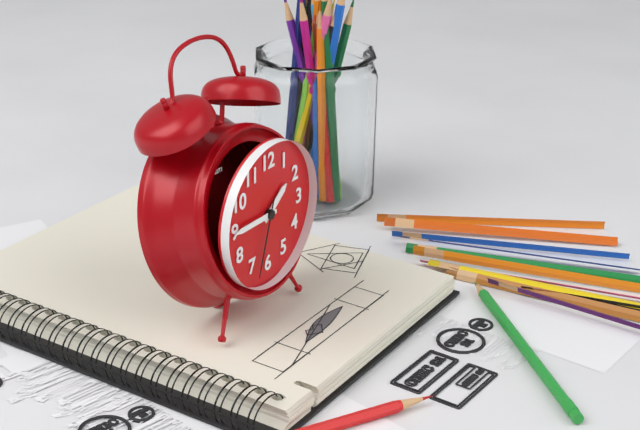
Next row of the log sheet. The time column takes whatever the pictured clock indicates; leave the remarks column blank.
1:45:33
